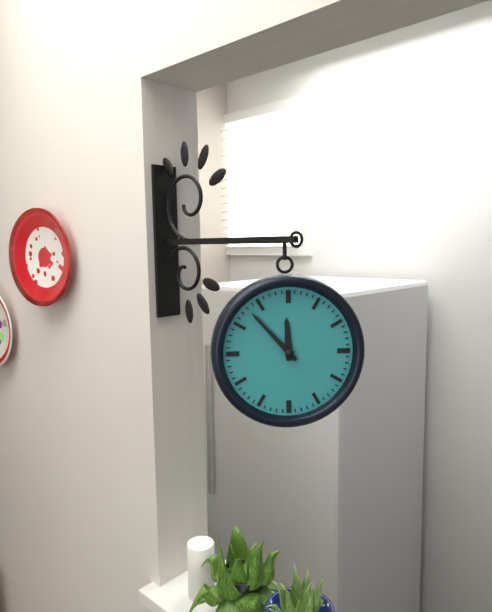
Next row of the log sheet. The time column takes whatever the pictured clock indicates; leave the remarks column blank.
11:53
